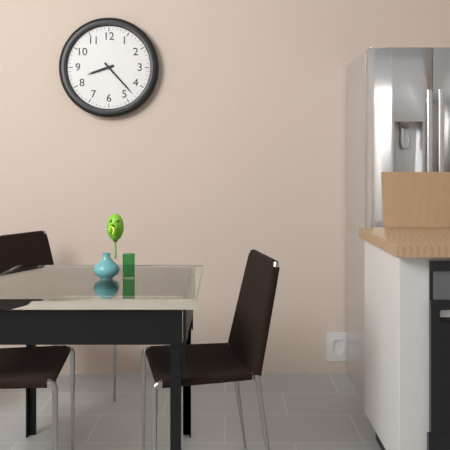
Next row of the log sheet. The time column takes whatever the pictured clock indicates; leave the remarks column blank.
8:23
